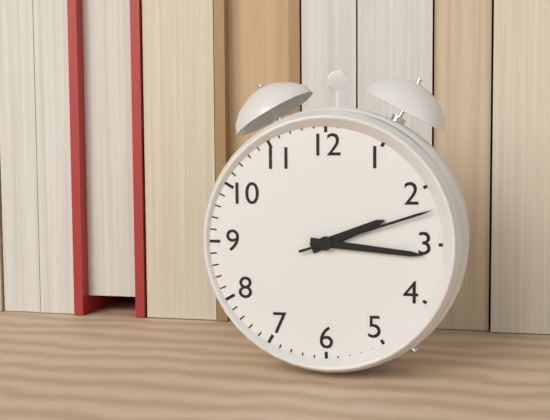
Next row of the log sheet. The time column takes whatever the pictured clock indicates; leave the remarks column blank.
2:16:12
